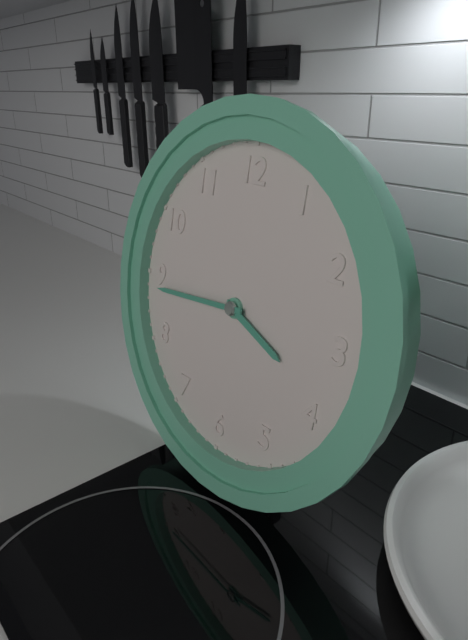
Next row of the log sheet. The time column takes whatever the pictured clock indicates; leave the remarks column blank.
3:44
